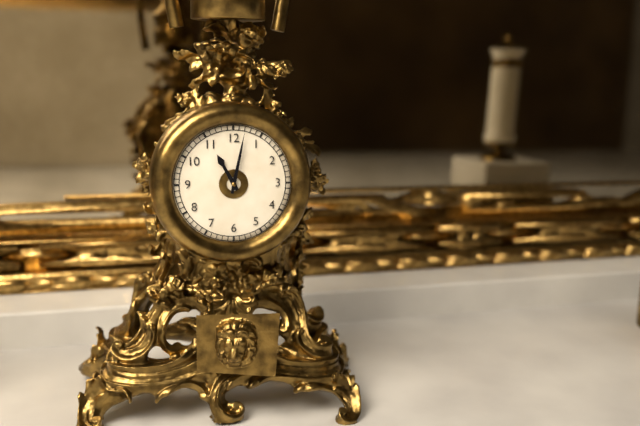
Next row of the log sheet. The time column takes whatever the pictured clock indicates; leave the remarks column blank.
11:02
